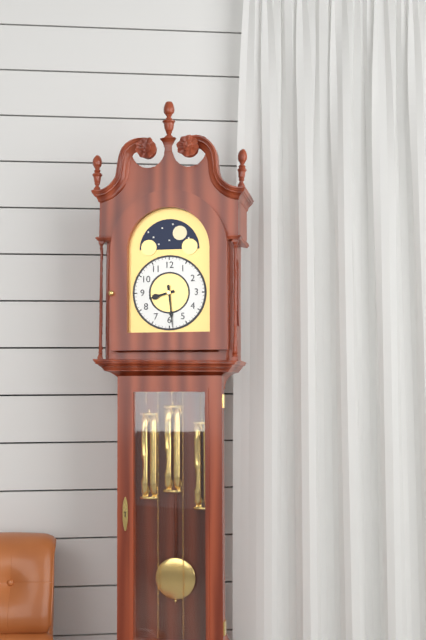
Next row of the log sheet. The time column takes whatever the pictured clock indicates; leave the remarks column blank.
8:29
